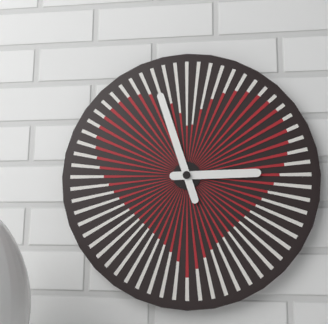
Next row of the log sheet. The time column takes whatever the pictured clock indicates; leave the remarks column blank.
2:57
